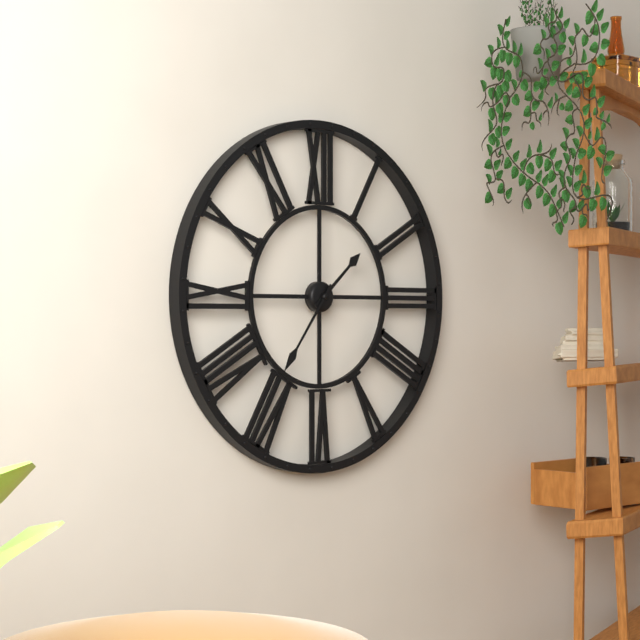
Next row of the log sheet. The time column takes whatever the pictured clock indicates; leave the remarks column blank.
1:36
